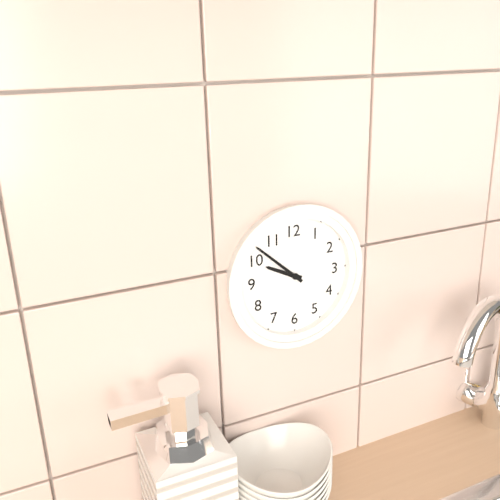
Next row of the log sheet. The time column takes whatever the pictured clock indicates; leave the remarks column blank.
9:52
